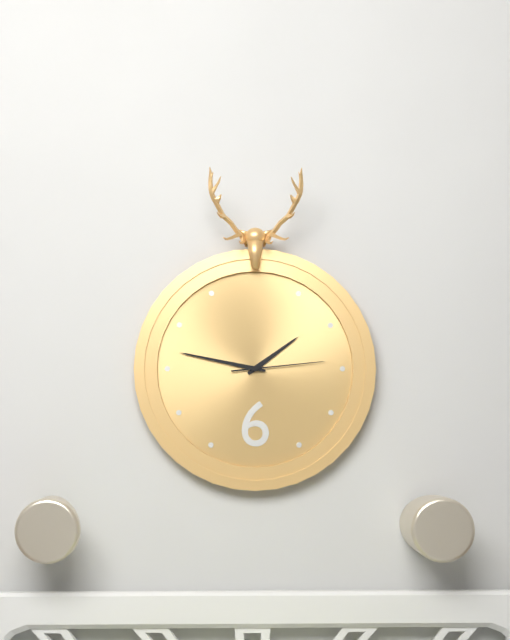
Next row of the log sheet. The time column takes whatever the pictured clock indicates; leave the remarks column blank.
1:47:14
